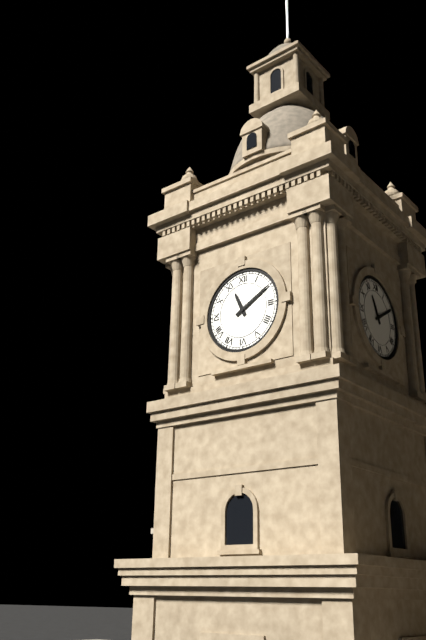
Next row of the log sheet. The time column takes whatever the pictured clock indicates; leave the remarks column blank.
11:10
